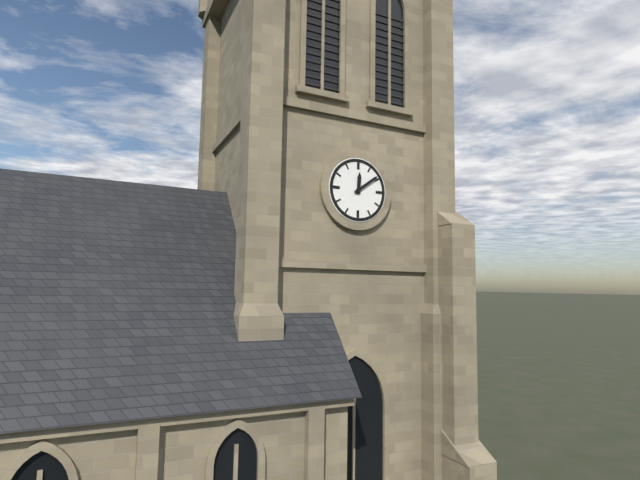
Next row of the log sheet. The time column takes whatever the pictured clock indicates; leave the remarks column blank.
12:09
